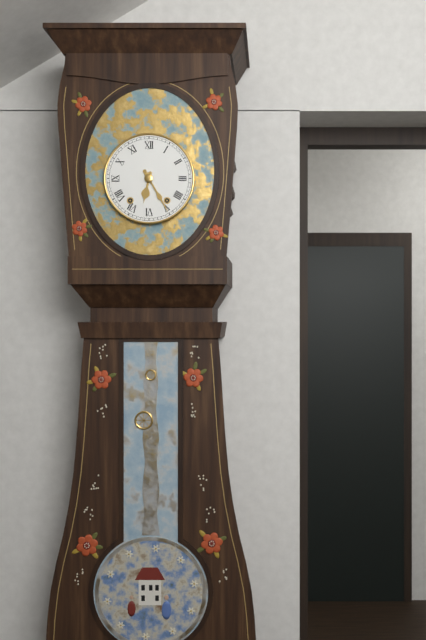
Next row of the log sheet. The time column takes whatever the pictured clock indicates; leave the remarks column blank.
6:25
